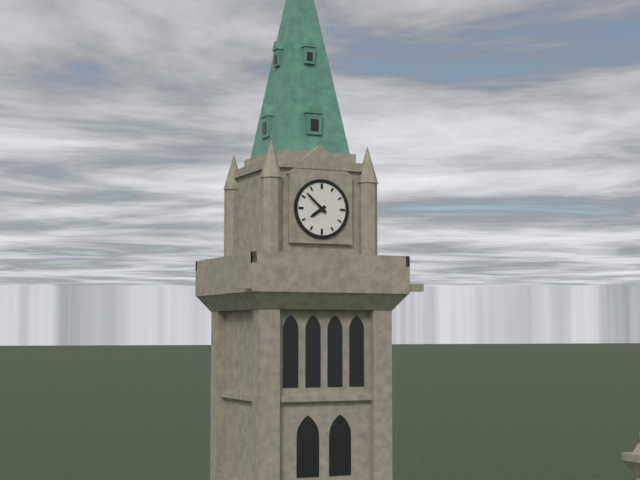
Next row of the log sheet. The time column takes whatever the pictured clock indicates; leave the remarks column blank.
7:52
